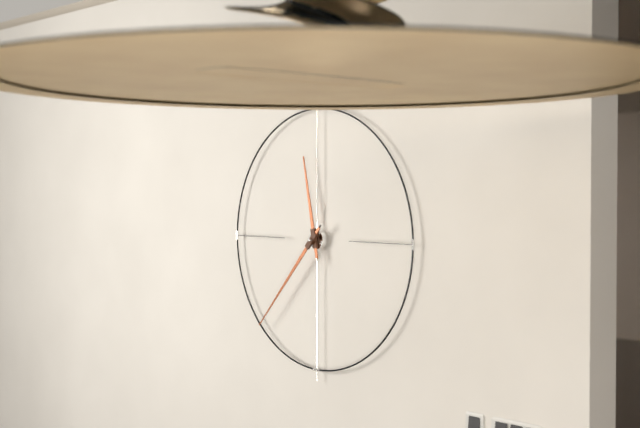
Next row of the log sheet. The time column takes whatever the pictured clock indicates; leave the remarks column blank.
11:37
